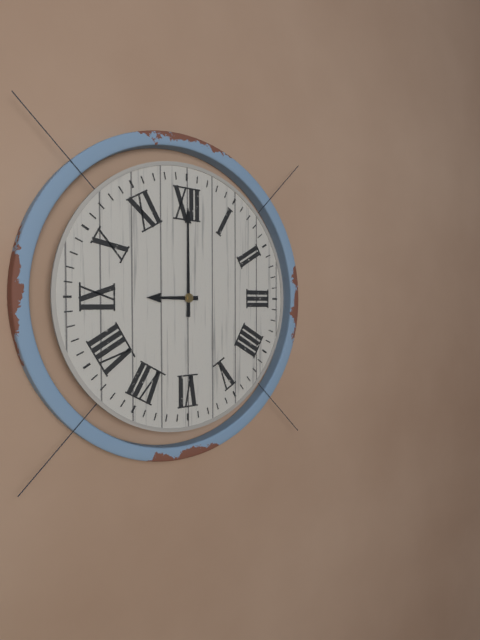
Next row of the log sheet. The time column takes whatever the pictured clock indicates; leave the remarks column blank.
9:00
